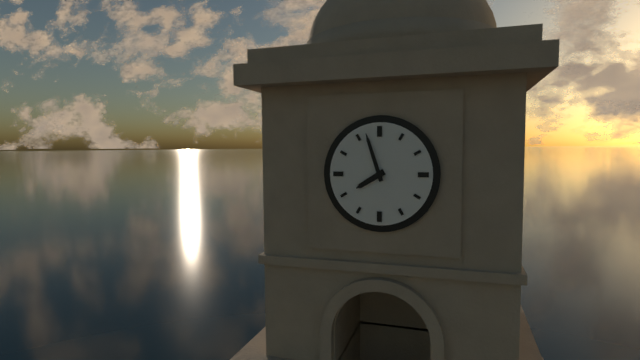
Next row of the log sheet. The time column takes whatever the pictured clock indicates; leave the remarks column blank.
7:57
